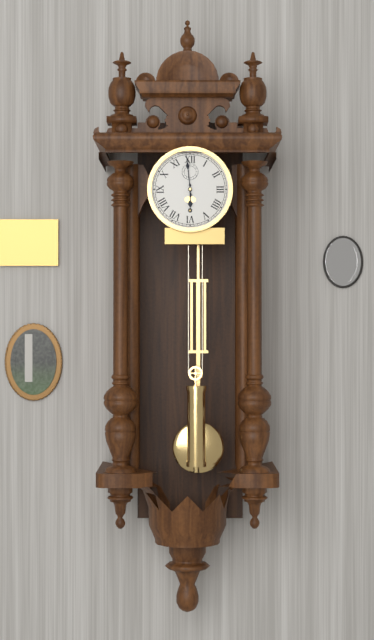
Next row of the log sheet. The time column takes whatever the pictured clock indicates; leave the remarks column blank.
5:59
